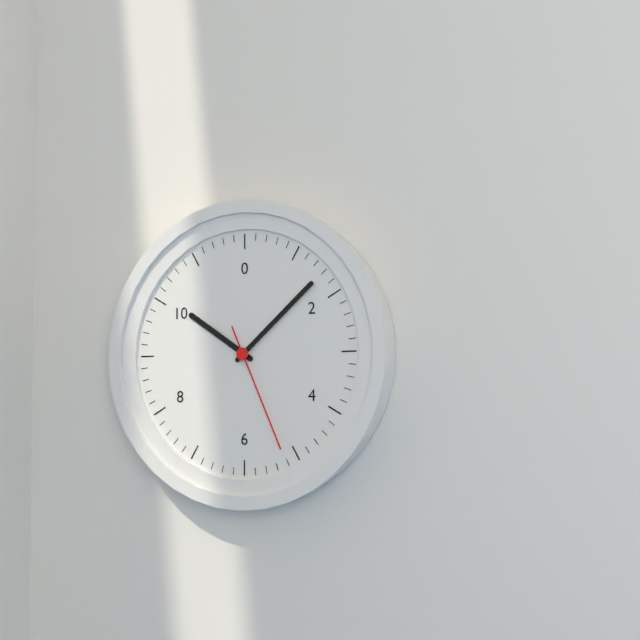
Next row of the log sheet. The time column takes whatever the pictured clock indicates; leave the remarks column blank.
10:08:26
